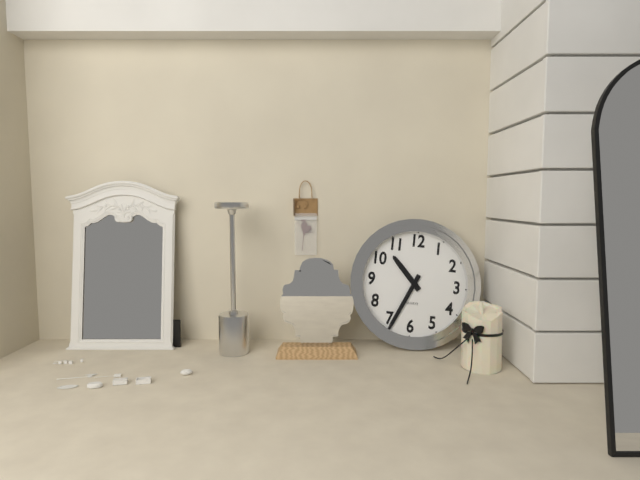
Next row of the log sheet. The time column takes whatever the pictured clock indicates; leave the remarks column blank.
10:34
